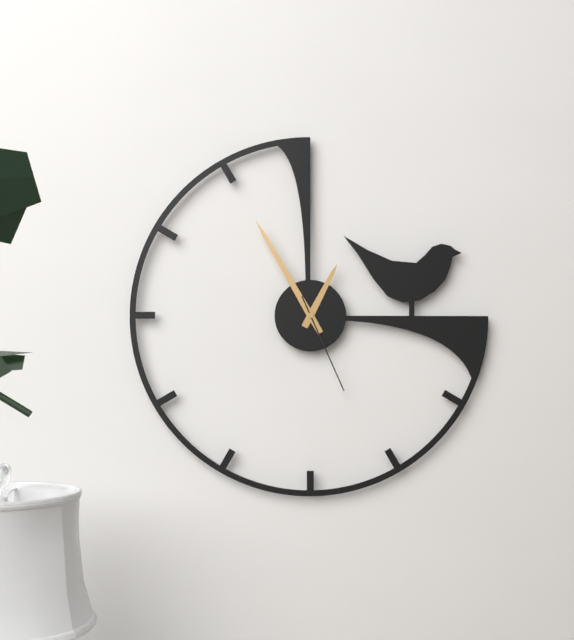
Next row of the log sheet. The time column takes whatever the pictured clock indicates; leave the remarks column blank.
12:55:26
